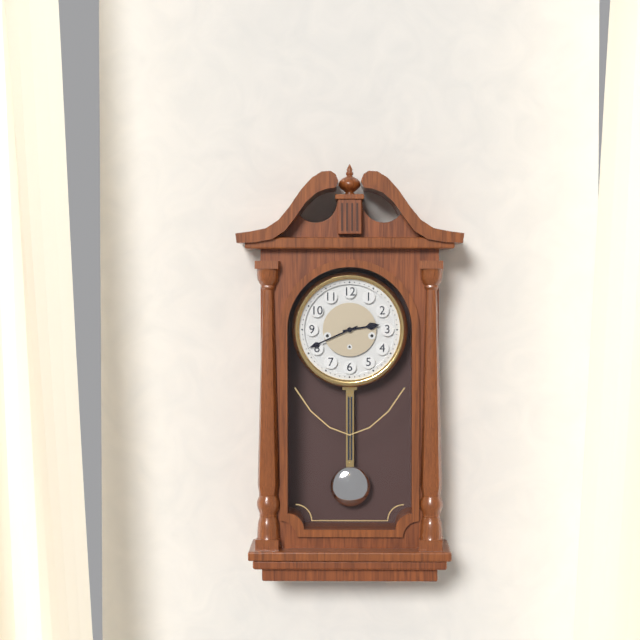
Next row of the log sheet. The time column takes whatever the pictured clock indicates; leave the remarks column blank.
2:41
